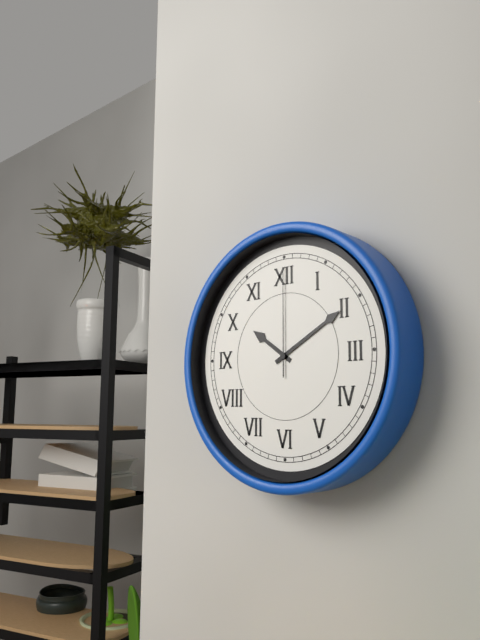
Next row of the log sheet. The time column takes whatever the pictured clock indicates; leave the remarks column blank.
10:10:00
